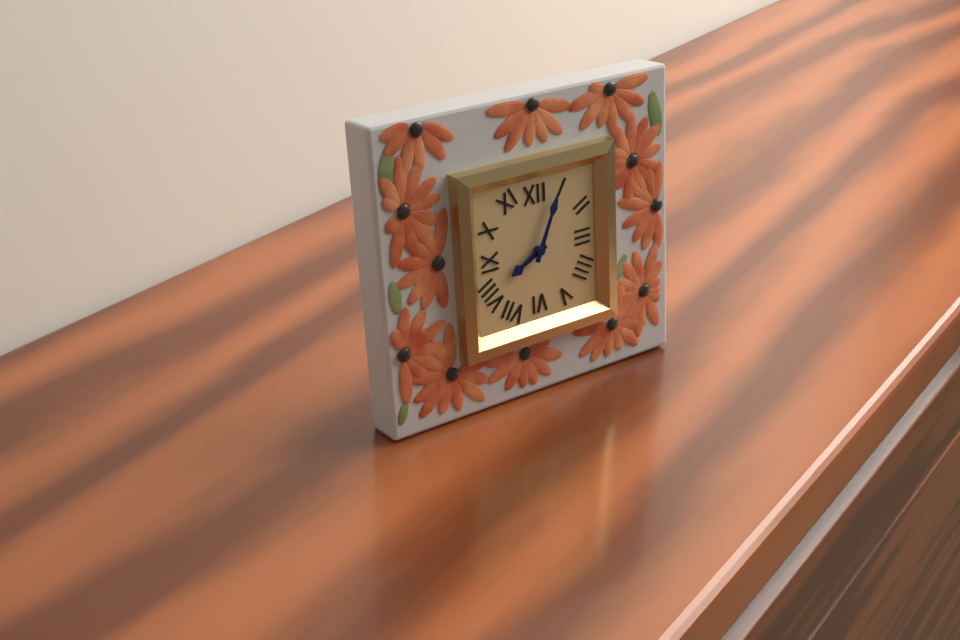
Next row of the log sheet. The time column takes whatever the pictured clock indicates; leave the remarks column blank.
8:04
